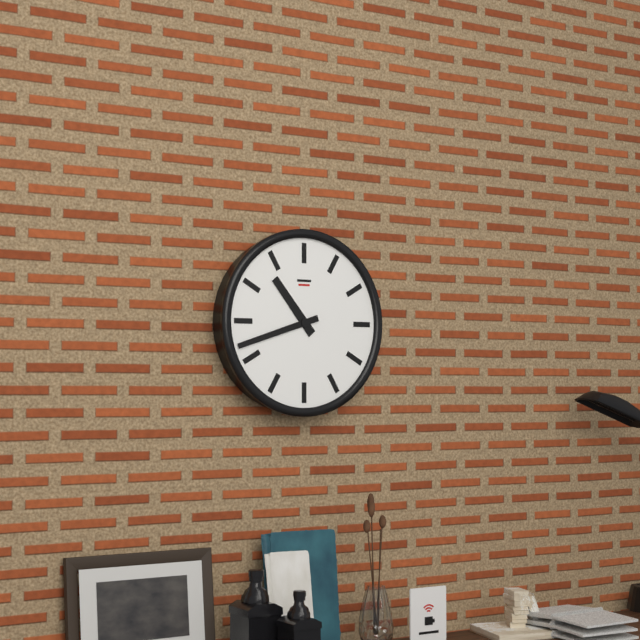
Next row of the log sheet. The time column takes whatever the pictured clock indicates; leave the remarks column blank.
10:42
